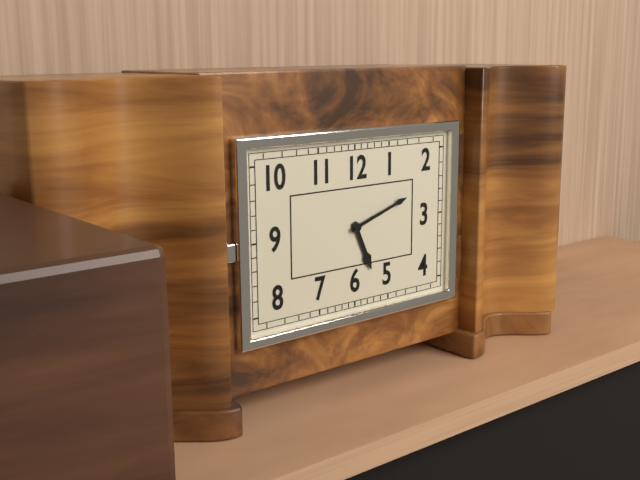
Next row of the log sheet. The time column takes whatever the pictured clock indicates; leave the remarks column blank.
5:12
